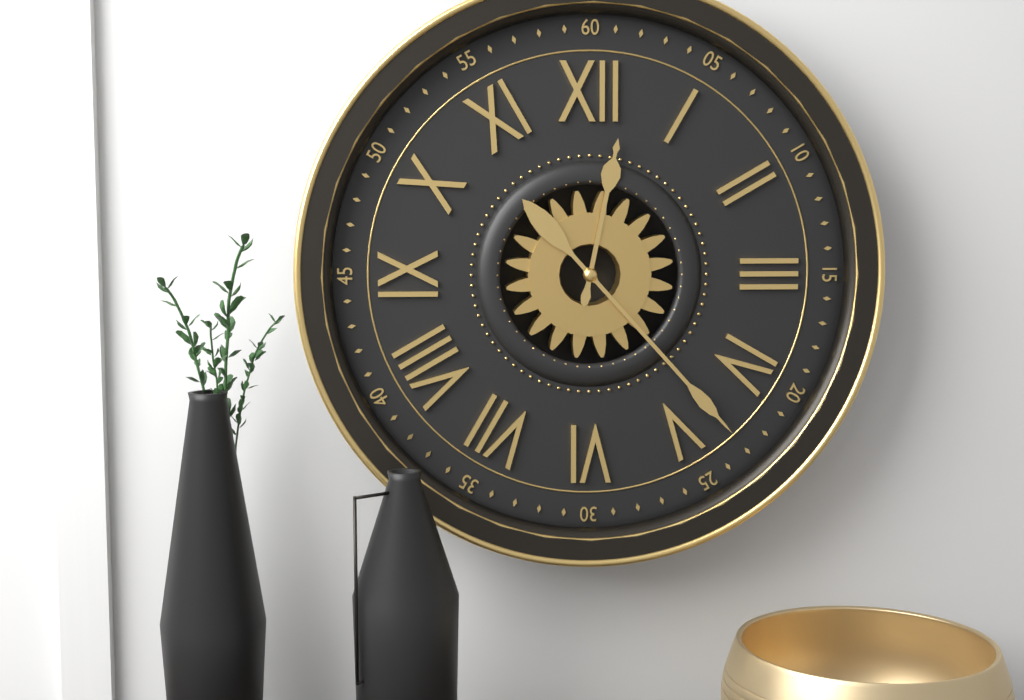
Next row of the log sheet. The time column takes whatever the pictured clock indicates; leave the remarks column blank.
12:23
